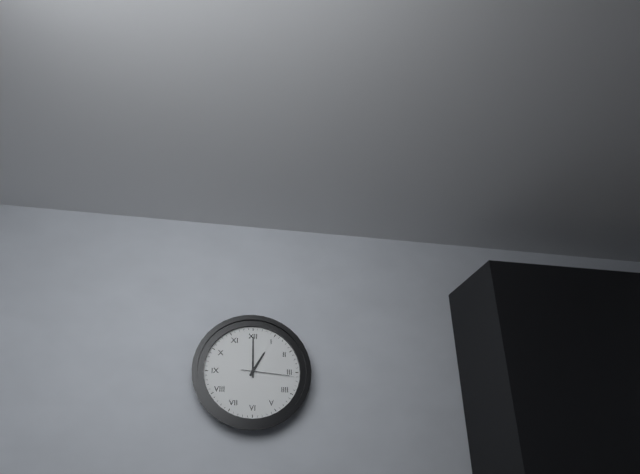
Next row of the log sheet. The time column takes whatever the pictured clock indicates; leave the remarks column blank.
1:00:16
